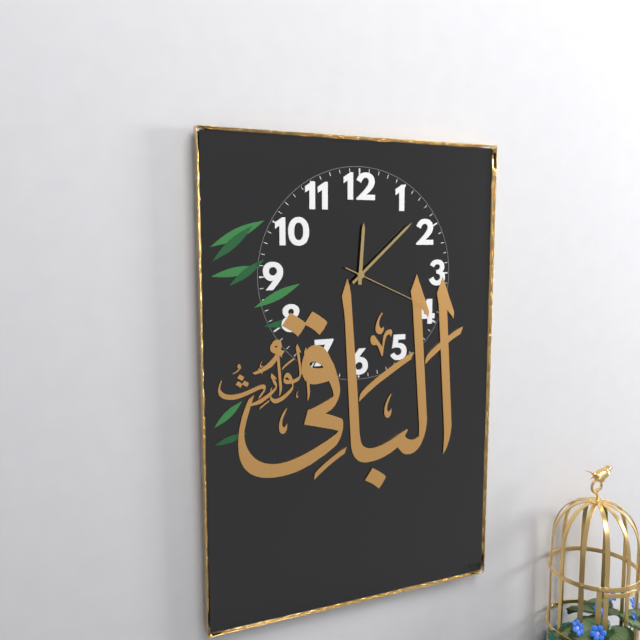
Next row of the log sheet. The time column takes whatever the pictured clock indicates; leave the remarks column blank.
12:08:19
